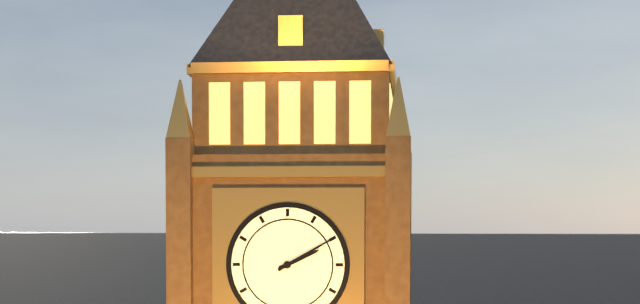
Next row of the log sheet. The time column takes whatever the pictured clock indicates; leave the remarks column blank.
2:10
